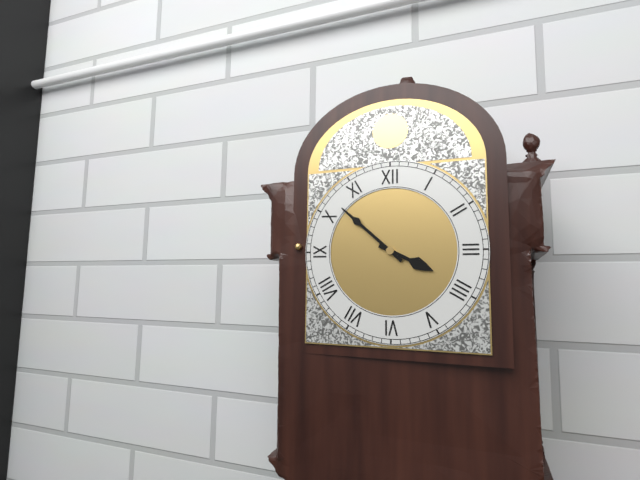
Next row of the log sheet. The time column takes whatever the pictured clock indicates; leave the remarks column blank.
3:52
